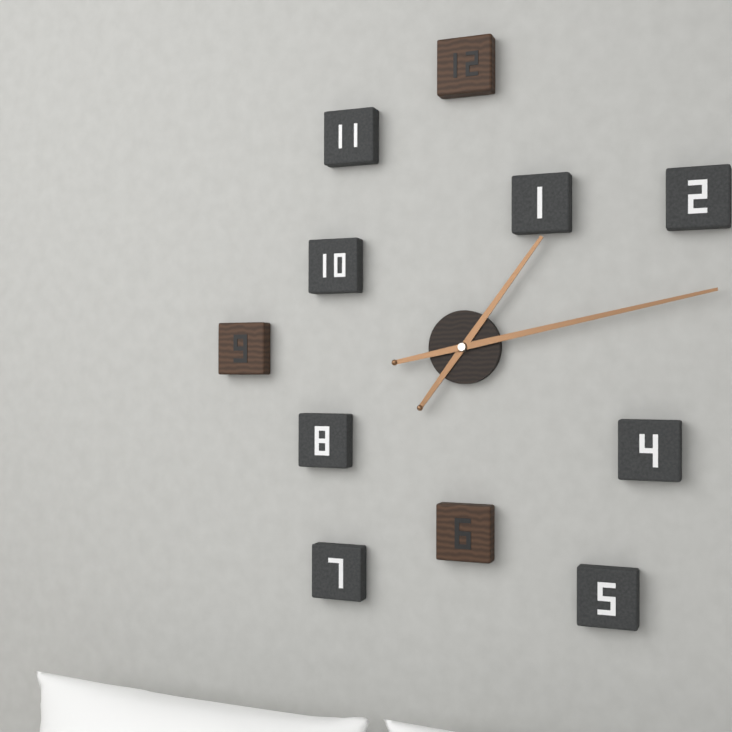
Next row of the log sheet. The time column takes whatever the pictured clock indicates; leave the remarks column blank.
1:13
